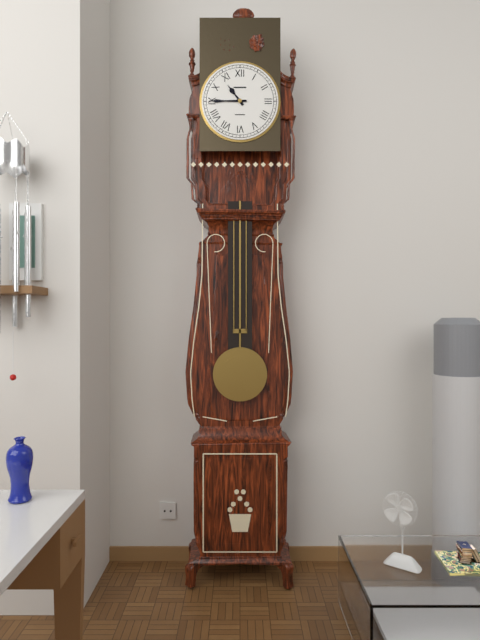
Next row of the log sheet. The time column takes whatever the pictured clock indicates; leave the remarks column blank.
10:45
